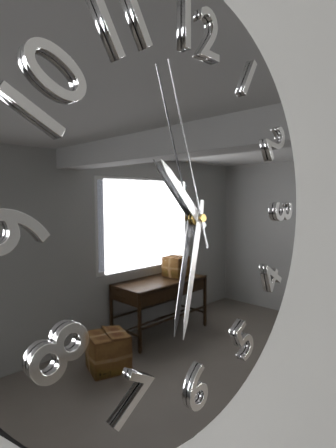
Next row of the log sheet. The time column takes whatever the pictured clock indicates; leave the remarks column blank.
10:32:57
